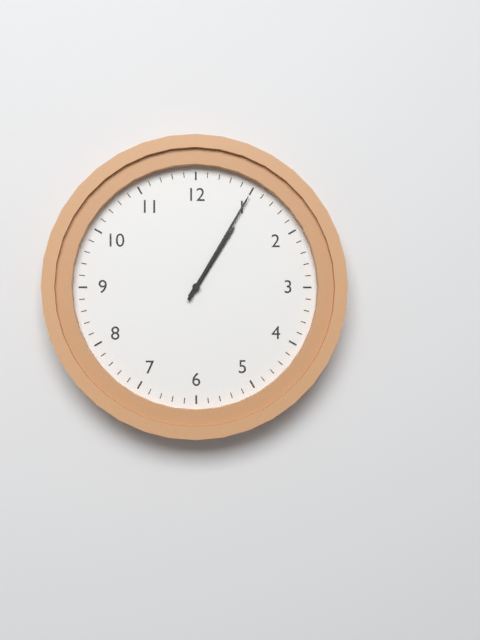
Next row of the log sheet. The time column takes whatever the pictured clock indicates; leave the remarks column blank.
1:05
